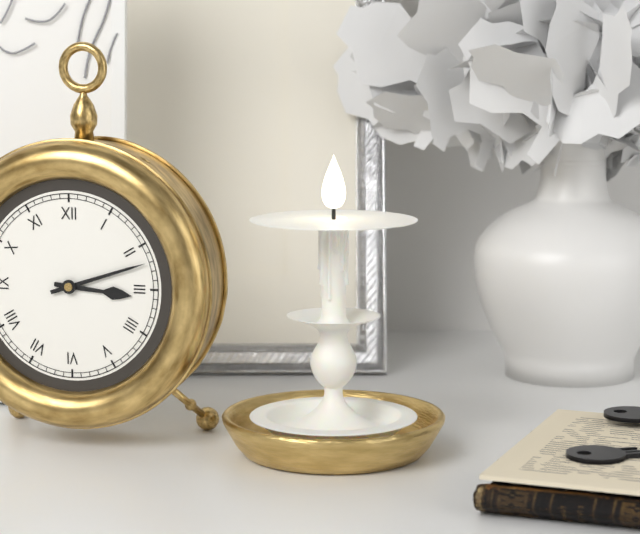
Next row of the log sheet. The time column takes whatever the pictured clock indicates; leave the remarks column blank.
3:12
